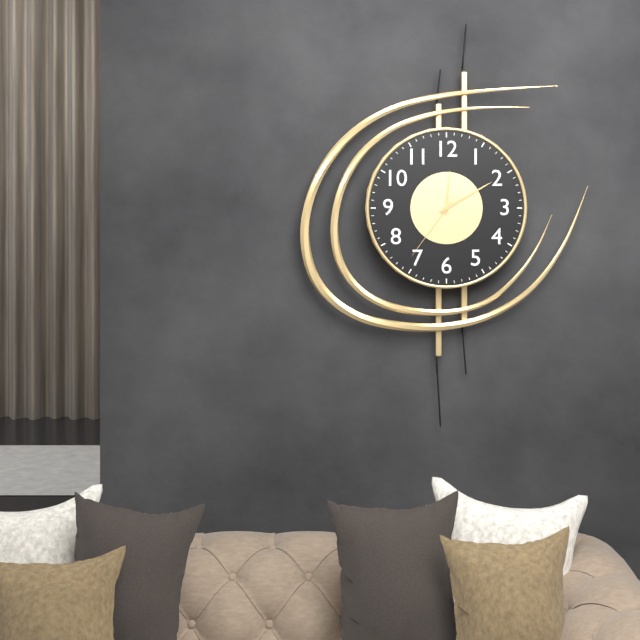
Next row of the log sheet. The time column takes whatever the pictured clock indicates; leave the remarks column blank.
12:10:36
